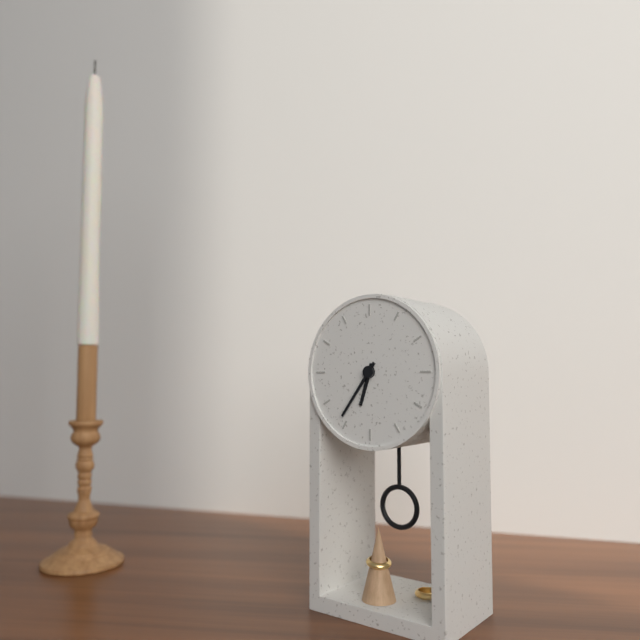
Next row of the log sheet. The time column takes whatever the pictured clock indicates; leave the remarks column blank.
6:36
